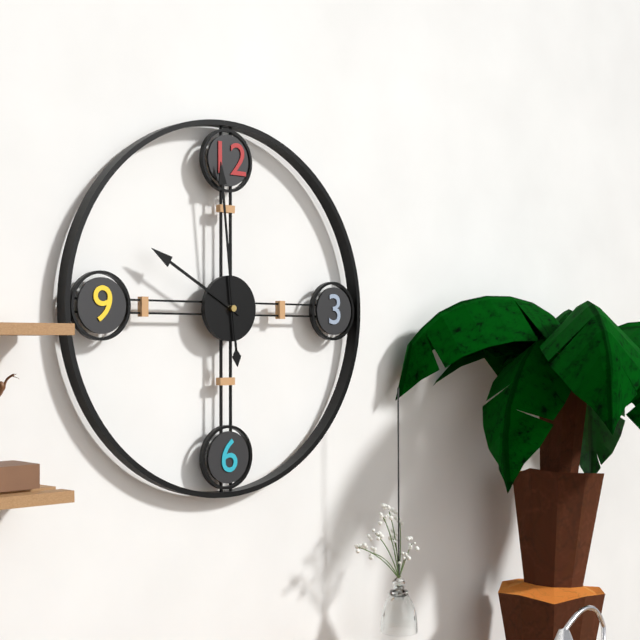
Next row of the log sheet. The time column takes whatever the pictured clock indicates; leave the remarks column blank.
9:59
